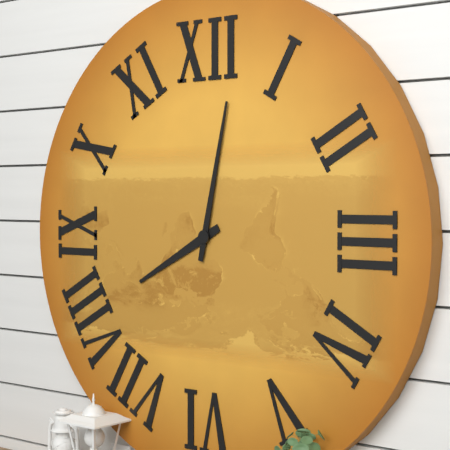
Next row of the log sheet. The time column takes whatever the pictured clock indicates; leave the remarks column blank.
8:02
